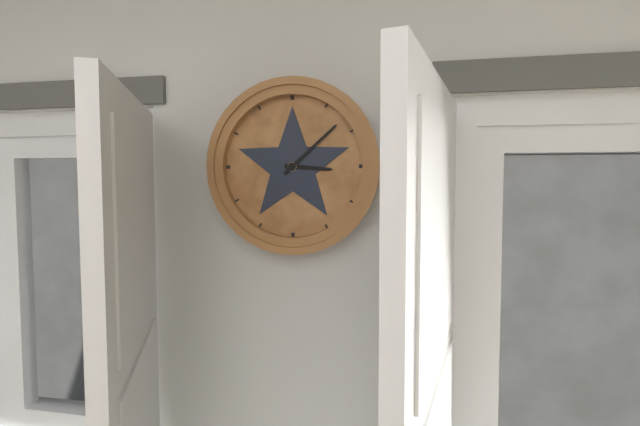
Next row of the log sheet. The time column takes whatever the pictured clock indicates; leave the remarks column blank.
3:08
